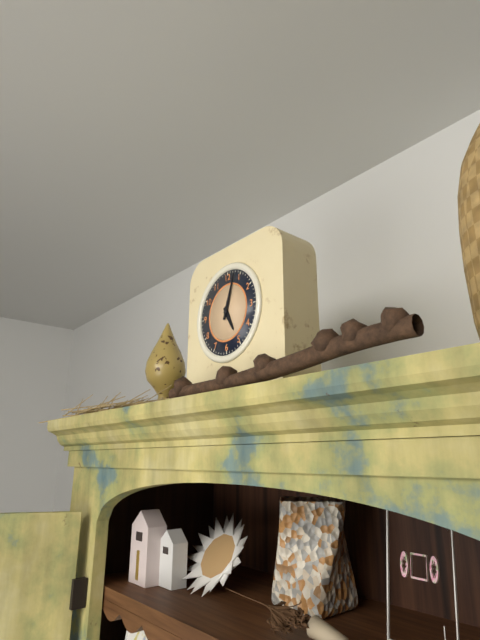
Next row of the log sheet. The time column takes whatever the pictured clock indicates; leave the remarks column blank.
5:03
